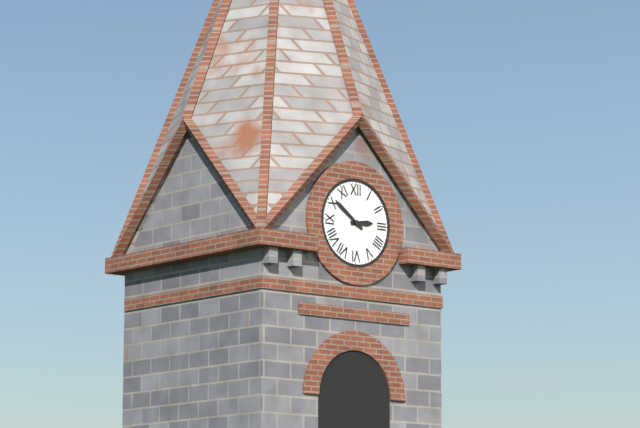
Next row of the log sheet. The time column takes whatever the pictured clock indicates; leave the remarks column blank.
2:51
